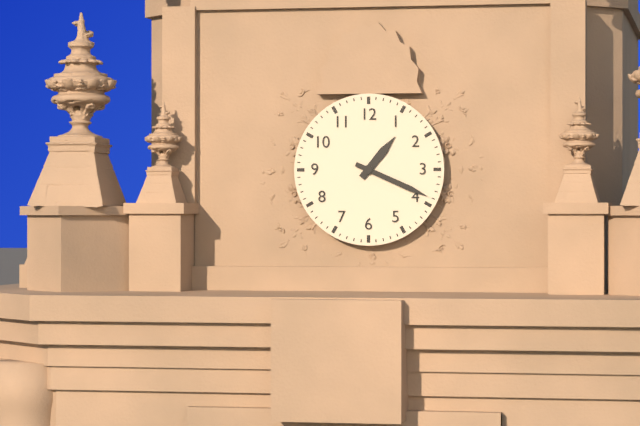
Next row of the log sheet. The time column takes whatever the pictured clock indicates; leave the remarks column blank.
1:19
